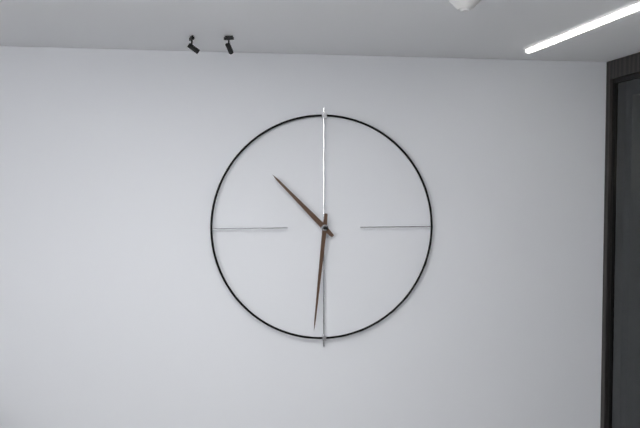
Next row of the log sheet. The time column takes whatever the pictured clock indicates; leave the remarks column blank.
10:31
